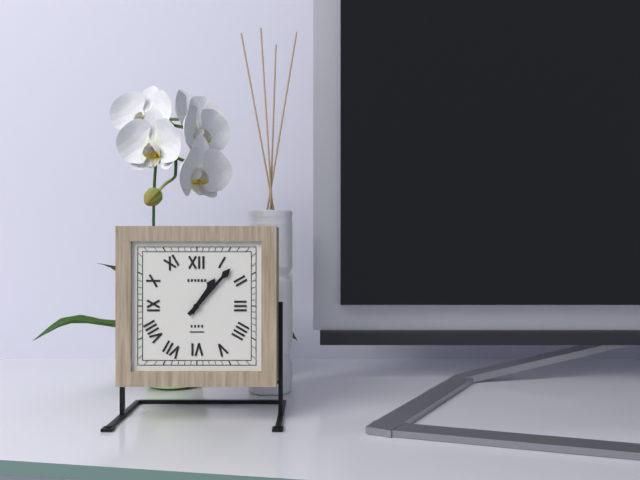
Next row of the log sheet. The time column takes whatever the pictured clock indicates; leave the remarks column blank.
1:07
